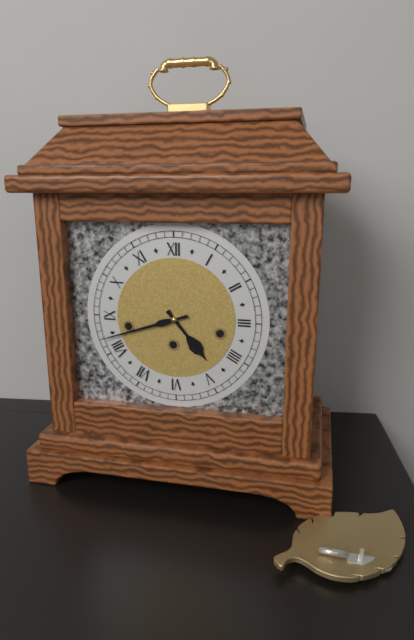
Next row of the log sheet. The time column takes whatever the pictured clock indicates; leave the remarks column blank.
4:42
